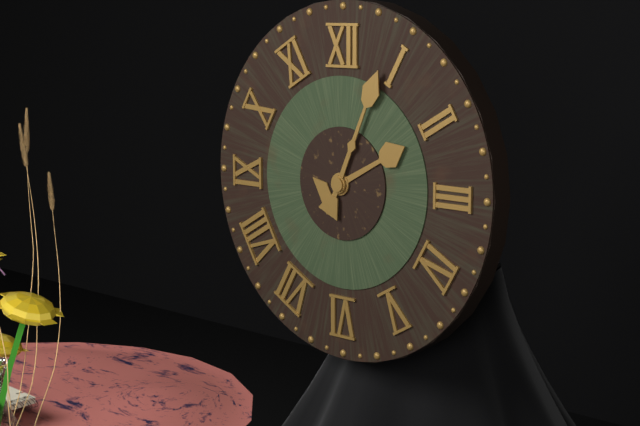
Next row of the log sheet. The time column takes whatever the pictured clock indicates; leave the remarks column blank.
2:04
